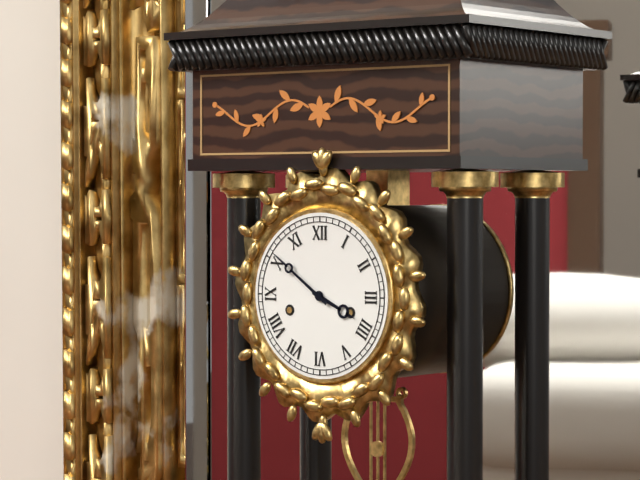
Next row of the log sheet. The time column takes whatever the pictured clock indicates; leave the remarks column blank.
3:51
